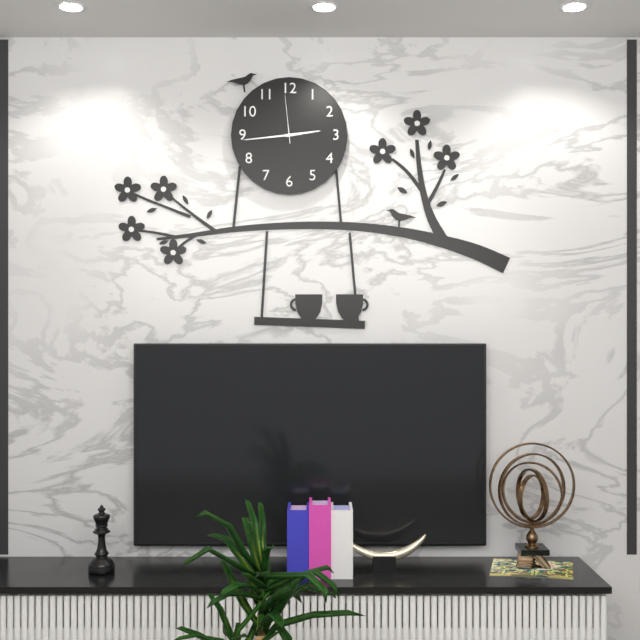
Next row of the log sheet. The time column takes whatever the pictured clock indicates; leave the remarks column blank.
2:44:59
